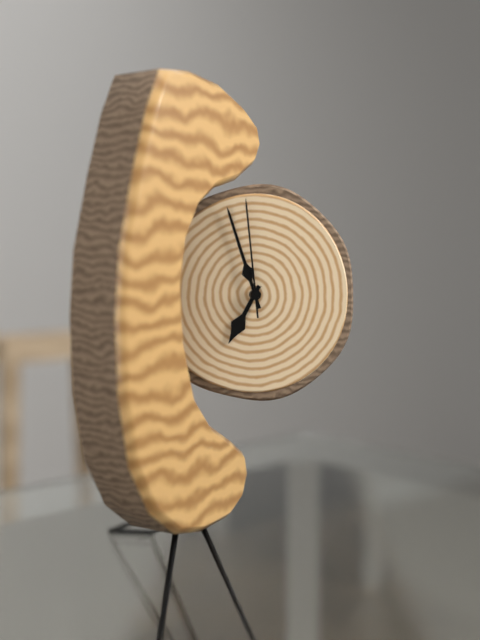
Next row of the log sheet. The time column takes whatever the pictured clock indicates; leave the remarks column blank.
6:57:59
